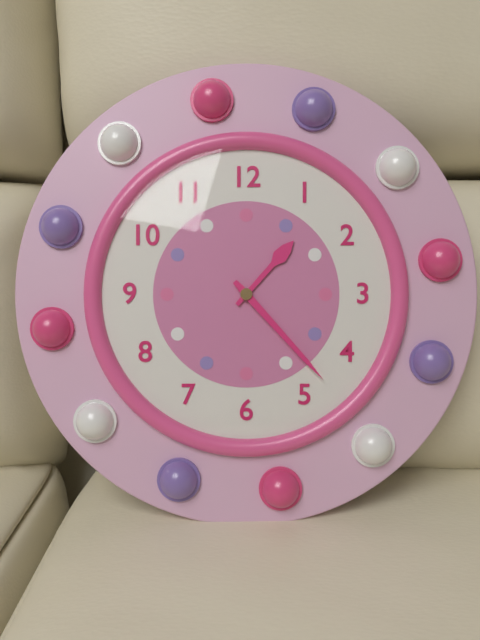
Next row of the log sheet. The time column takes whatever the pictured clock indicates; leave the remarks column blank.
1:23
